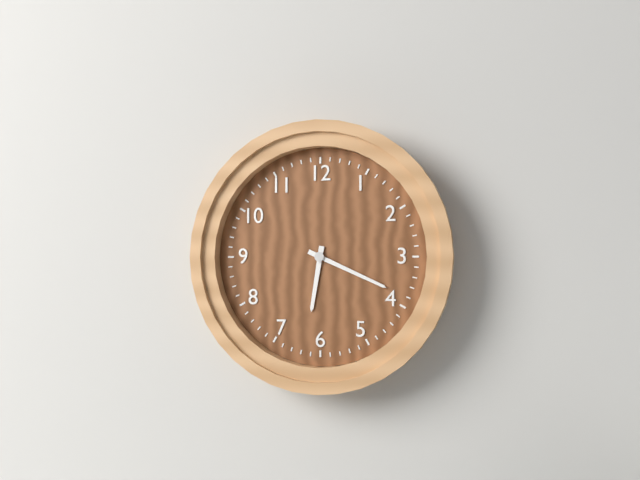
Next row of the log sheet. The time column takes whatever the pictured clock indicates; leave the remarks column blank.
6:19
